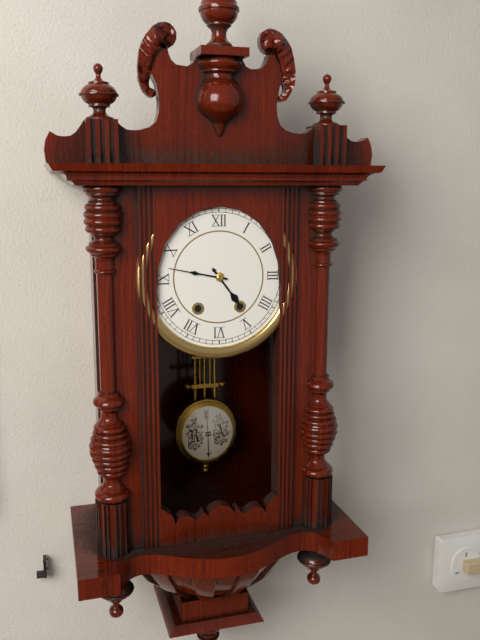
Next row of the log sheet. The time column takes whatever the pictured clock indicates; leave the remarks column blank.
4:47
